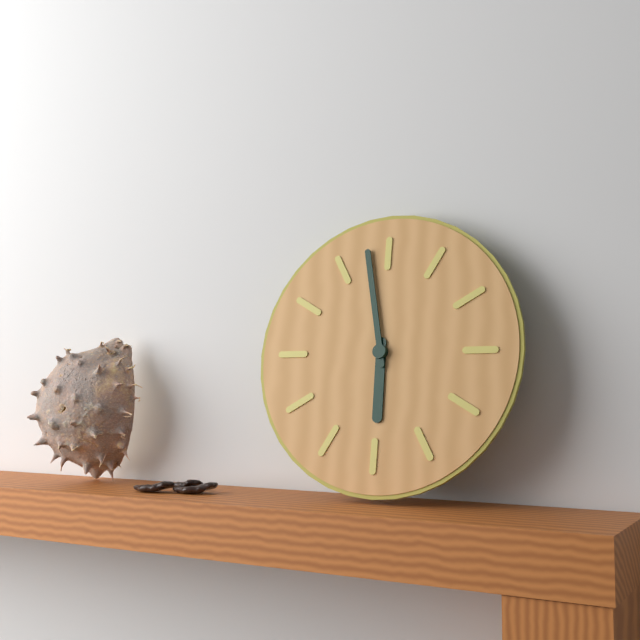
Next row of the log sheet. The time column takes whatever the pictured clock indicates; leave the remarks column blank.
5:58
